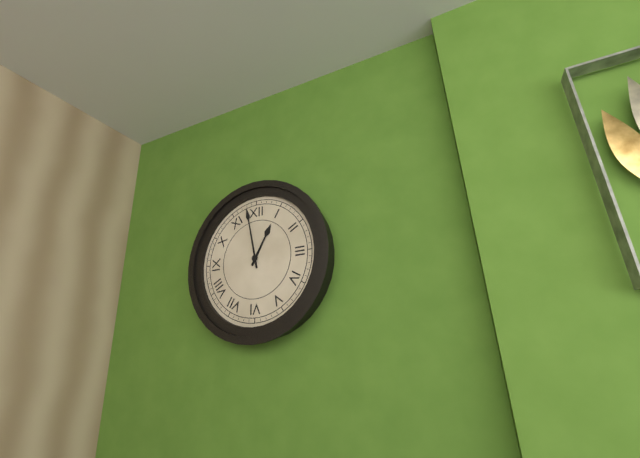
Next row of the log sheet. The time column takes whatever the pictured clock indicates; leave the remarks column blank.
12:58
